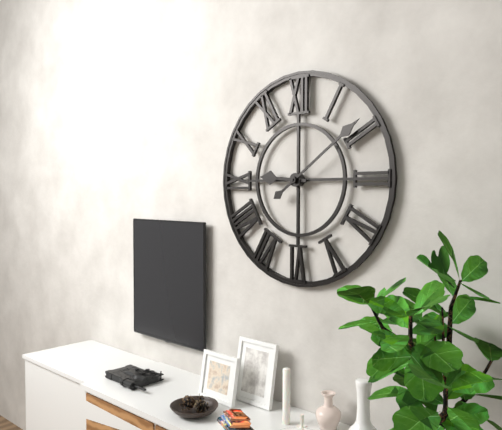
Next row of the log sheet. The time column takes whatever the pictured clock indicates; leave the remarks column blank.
9:09
